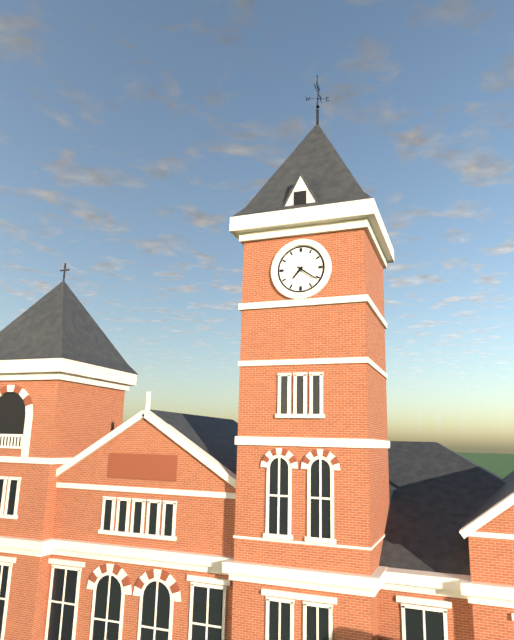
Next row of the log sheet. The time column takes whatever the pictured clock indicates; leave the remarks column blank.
7:21
